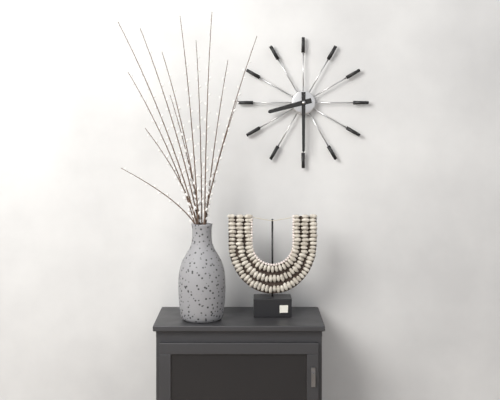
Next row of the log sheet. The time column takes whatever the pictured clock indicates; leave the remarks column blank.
8:30
